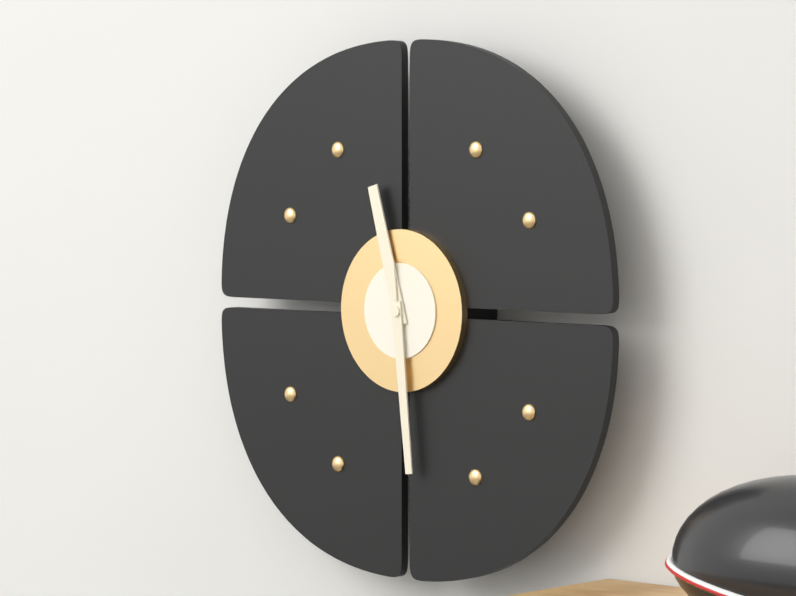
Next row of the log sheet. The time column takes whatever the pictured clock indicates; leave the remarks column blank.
11:29
